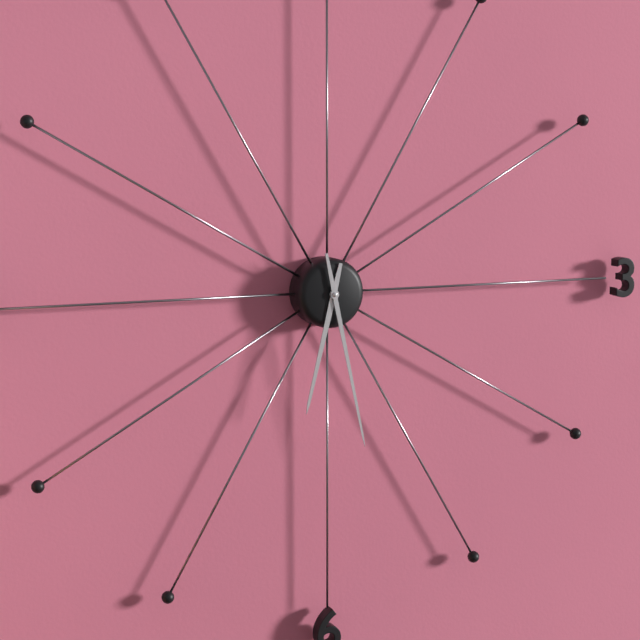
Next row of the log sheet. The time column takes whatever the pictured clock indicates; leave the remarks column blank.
6:28
